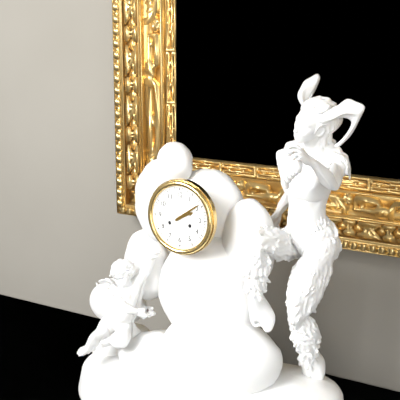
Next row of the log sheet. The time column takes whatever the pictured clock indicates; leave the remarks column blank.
2:09
